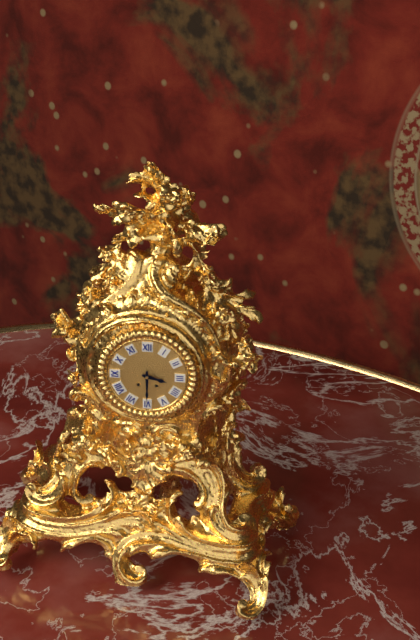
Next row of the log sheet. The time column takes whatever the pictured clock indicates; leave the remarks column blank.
3:30
